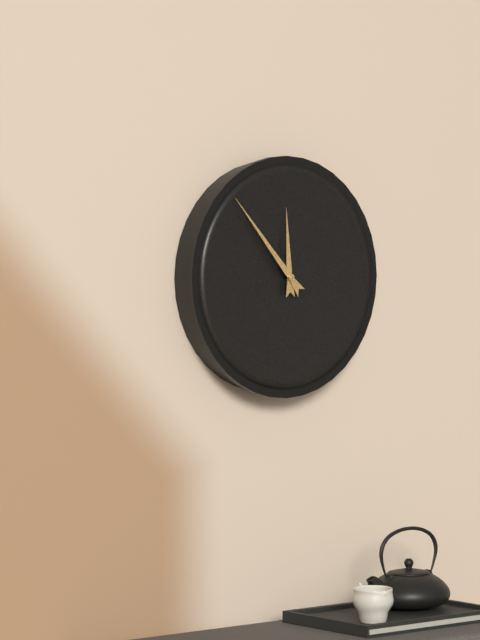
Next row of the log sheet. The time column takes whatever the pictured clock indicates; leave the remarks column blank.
11:53
